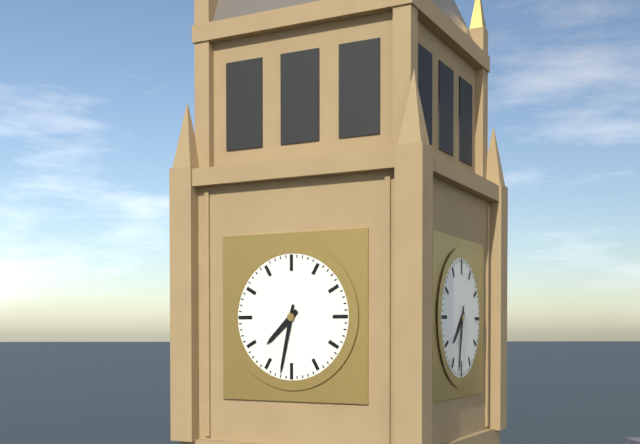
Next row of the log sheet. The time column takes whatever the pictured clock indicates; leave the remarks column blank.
7:32
